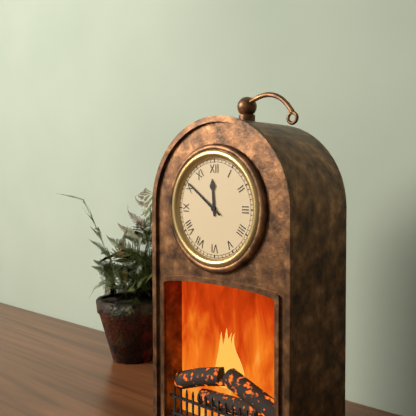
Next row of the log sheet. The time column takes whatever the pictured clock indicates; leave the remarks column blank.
11:51
